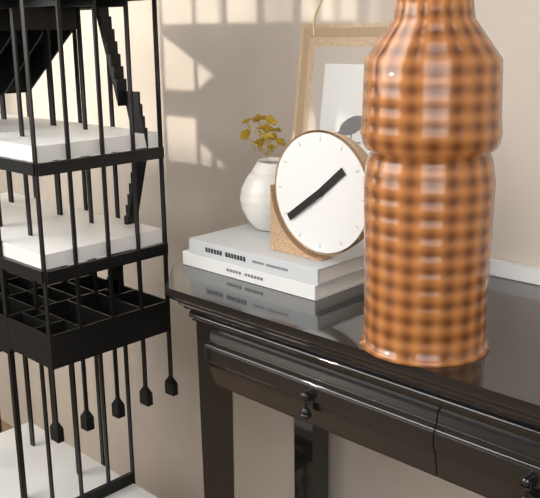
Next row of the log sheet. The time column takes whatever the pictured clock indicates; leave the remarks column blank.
1:39
